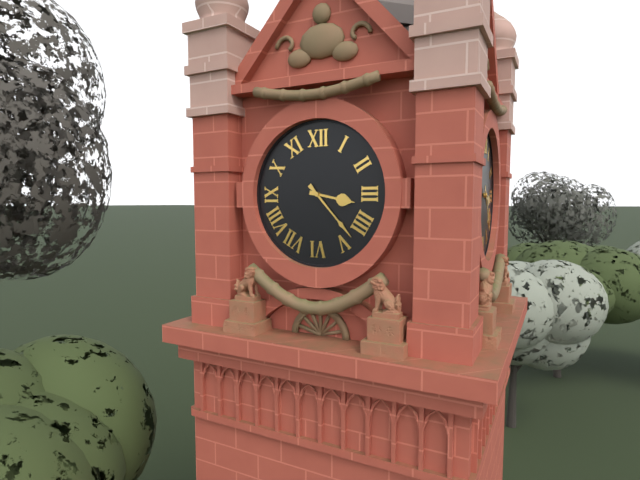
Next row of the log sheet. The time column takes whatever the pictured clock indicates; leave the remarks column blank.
3:23
